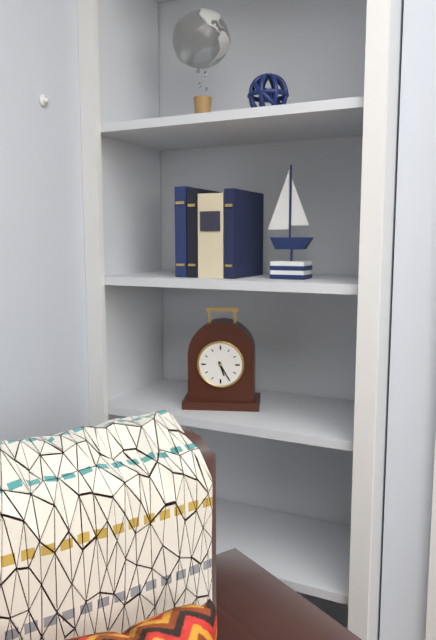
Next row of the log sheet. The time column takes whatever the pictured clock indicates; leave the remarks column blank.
5:25
